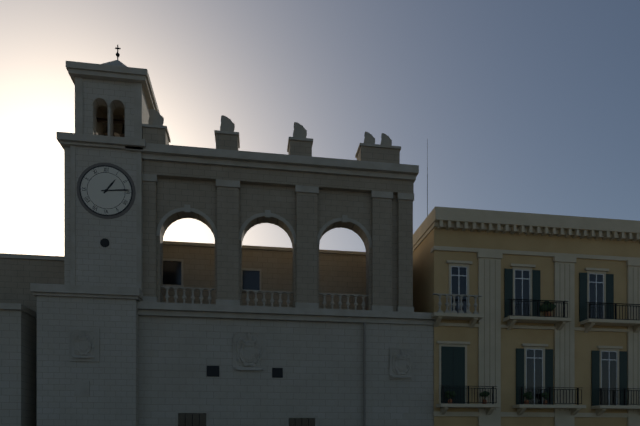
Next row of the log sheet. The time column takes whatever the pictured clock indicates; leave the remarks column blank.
1:14
